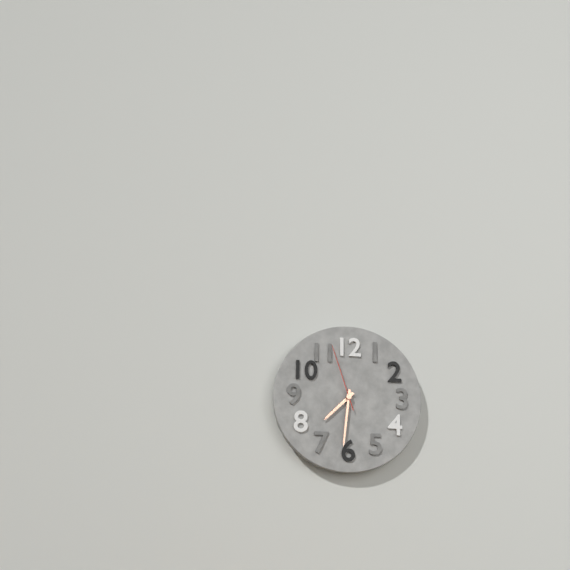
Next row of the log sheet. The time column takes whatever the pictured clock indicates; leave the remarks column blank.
7:31:57
